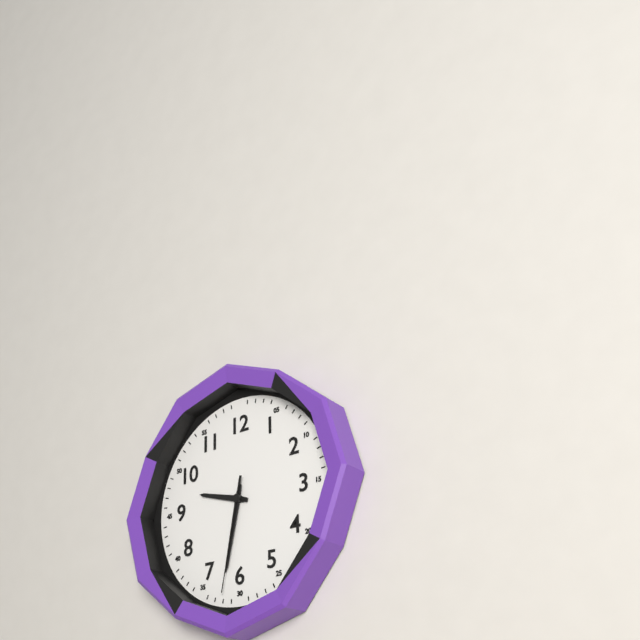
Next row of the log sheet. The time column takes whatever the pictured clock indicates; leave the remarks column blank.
9:32:32
